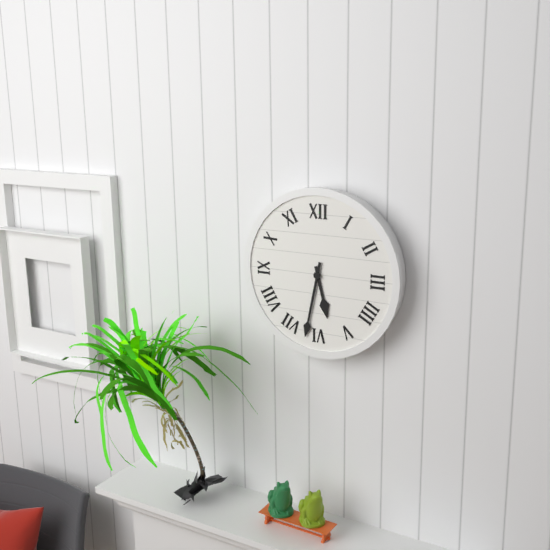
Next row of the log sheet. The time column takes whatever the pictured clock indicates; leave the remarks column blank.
5:32
